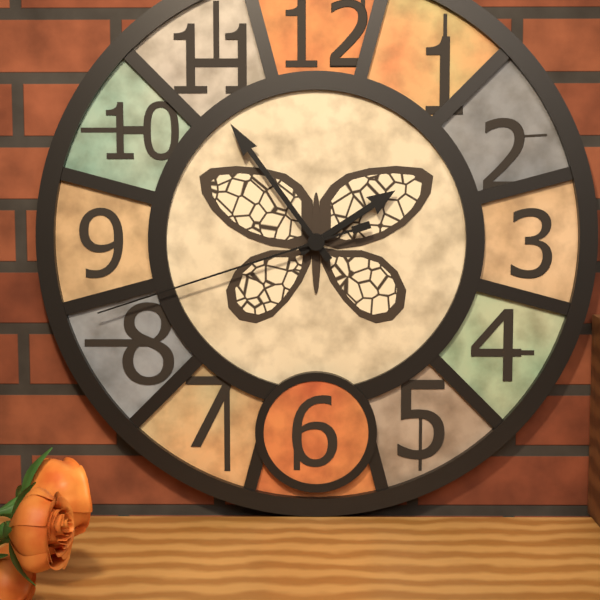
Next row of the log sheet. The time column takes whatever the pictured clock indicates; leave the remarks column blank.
1:54:42
